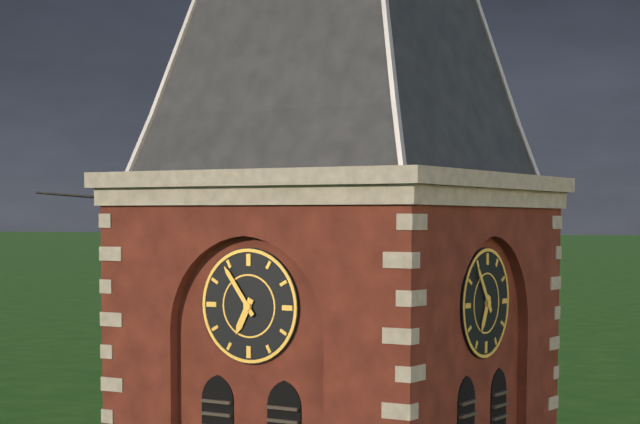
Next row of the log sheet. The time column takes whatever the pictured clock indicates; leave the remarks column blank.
6:54
